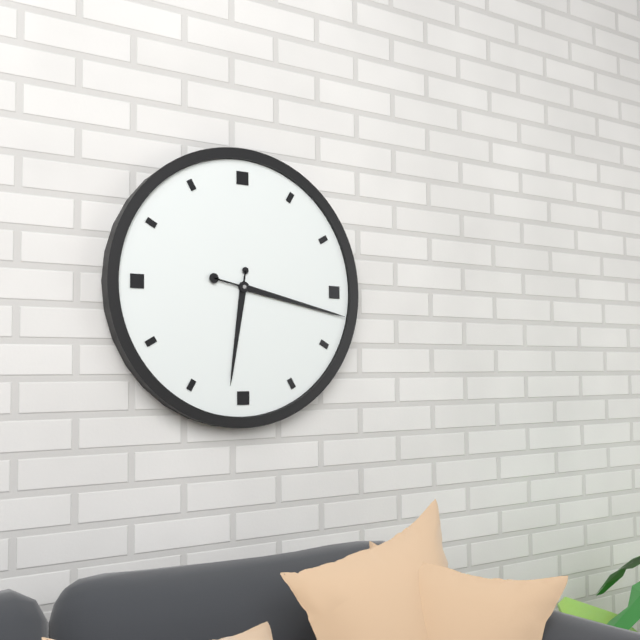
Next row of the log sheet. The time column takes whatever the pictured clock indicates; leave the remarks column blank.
6:17
